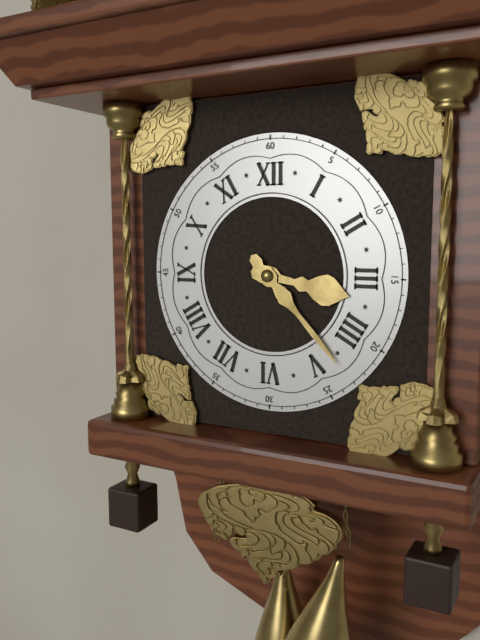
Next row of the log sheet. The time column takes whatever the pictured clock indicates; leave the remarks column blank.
3:23
